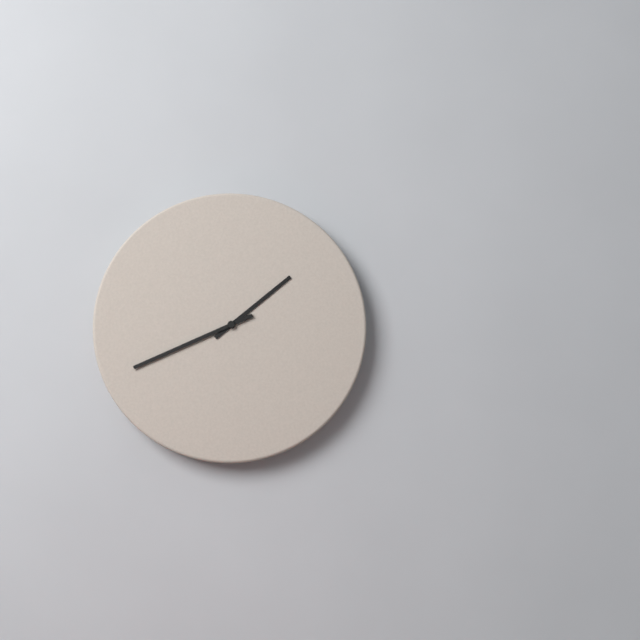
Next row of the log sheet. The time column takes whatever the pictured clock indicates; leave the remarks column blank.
1:41
